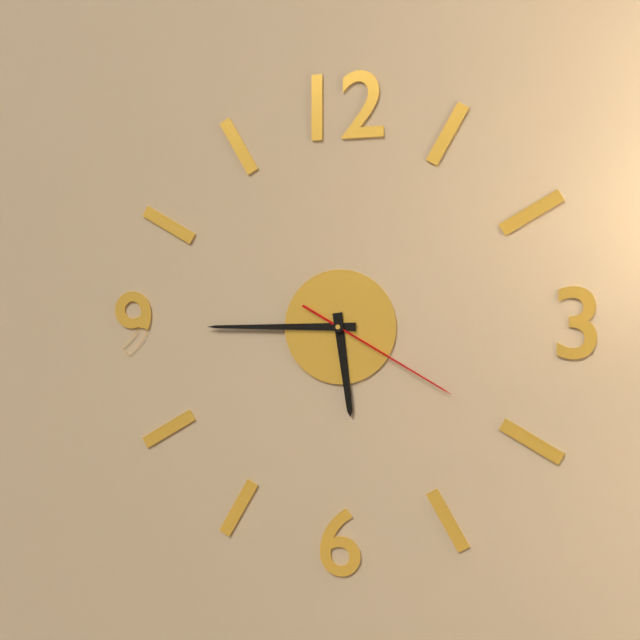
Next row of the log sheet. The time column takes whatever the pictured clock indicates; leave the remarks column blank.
5:45:20
